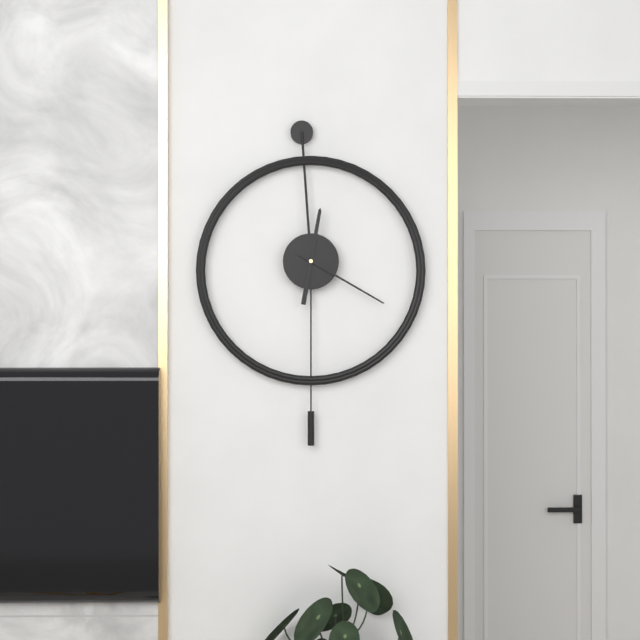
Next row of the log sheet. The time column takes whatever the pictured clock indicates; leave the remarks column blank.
12:20
